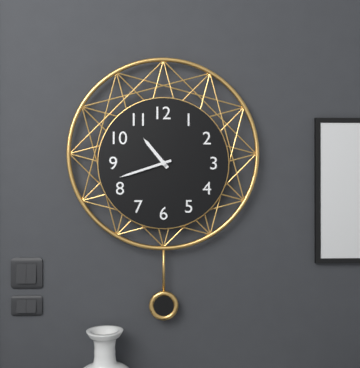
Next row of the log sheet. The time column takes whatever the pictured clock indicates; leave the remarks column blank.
10:42
